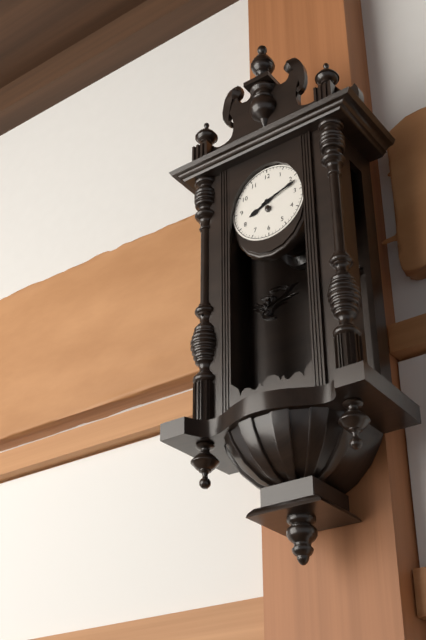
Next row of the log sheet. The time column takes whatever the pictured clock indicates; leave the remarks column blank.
8:12
